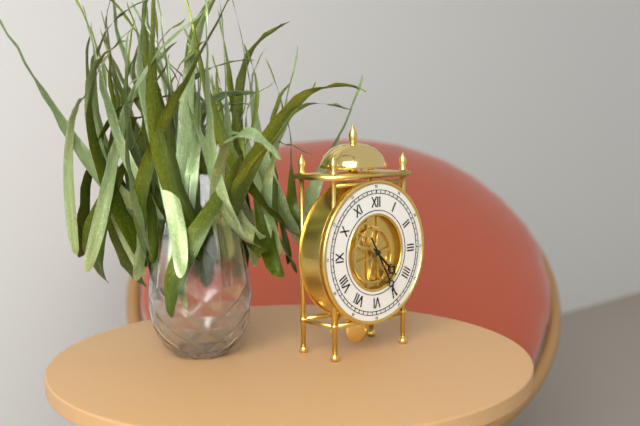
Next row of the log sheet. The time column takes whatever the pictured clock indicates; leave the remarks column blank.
4:25
